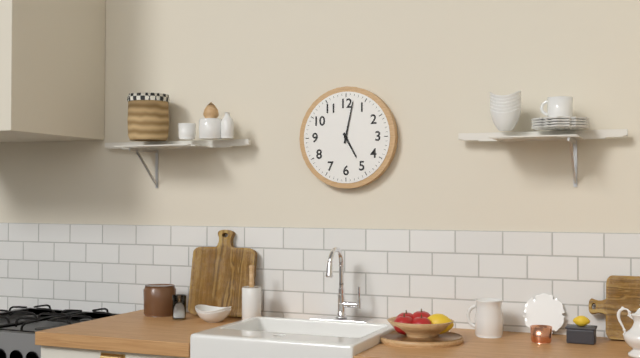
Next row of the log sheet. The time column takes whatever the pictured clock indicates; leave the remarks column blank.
5:02
